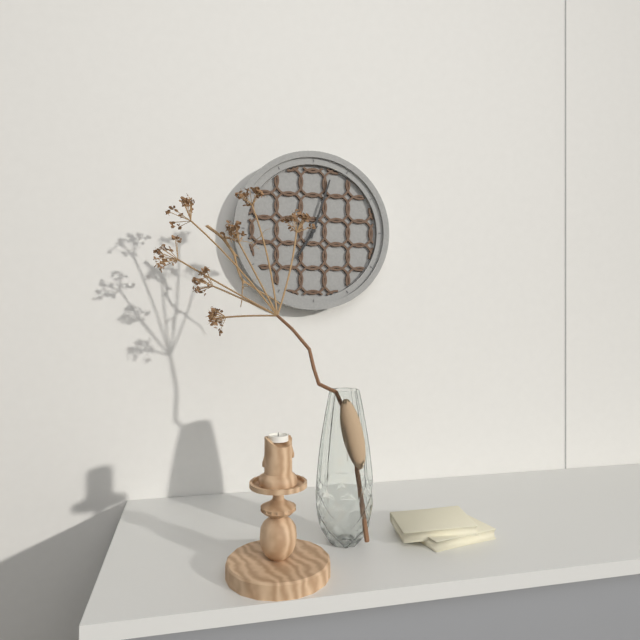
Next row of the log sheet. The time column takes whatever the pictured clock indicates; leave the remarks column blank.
7:03
